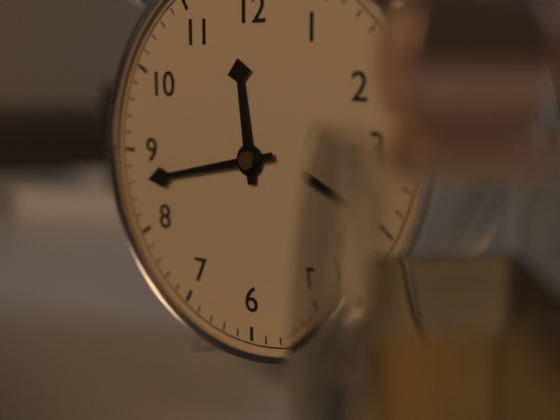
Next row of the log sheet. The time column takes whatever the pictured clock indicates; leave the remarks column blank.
11:43
